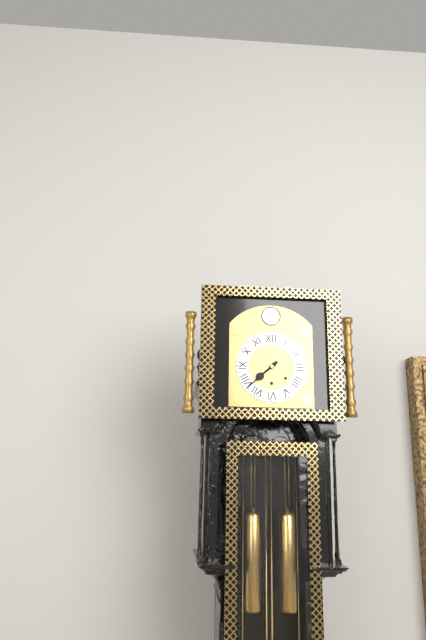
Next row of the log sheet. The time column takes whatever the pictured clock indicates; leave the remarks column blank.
7:38
